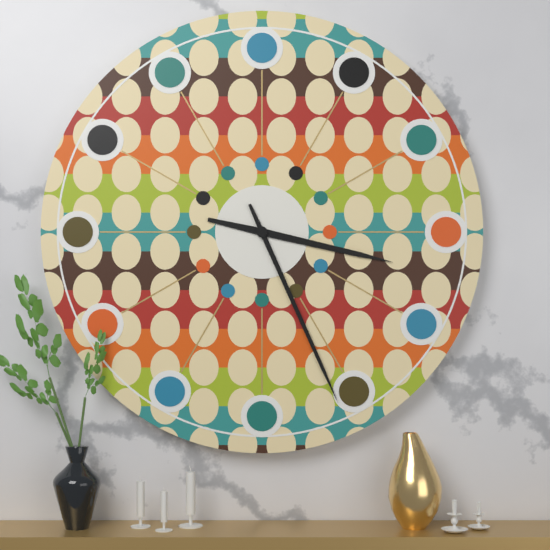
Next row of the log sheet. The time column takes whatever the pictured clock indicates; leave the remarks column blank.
3:26
